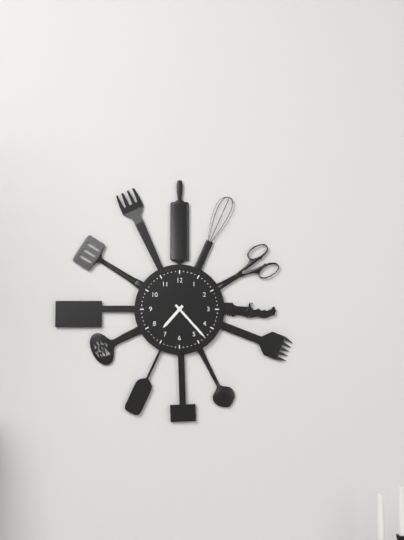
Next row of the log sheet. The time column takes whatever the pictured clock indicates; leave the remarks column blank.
7:23
